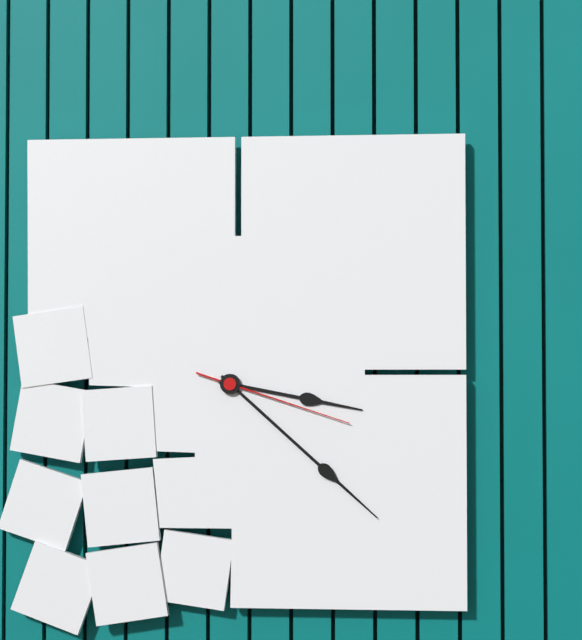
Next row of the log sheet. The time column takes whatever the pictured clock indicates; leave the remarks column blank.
3:22:18
